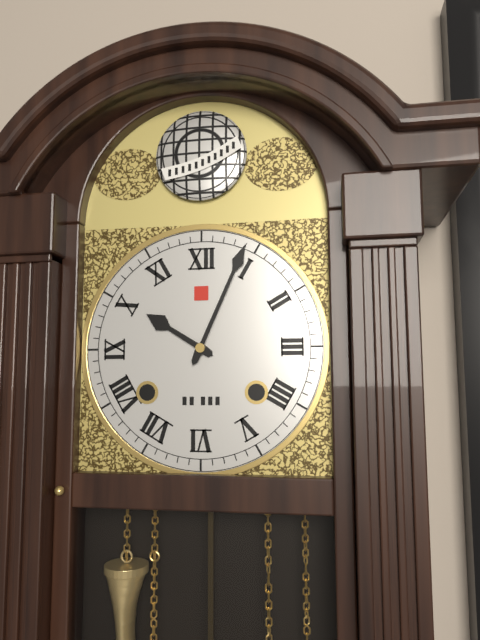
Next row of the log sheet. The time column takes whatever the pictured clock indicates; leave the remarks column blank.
10:04
